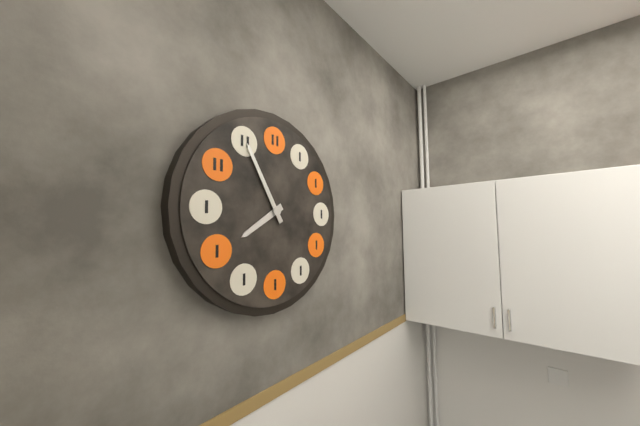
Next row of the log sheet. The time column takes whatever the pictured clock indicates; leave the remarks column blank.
7:55
